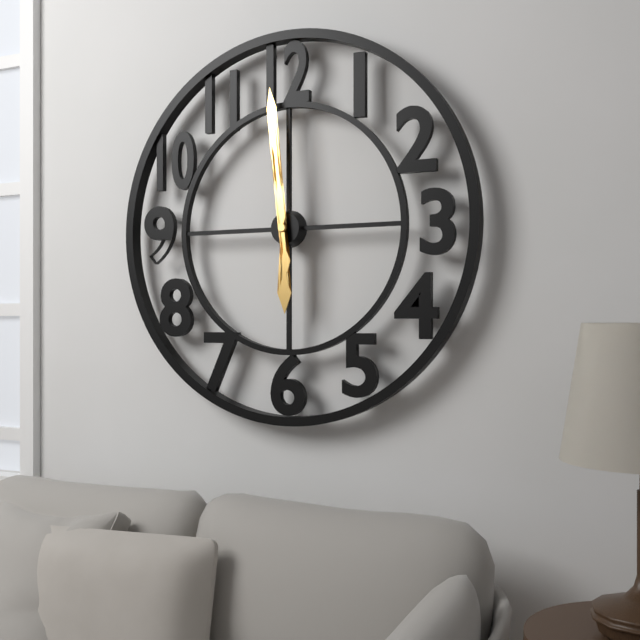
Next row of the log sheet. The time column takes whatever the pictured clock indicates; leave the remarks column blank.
5:59
